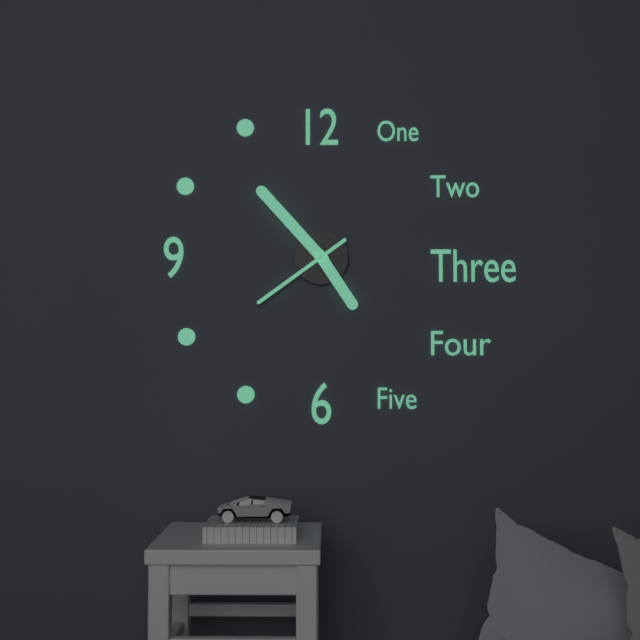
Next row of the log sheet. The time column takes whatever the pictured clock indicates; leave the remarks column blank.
4:53:39
